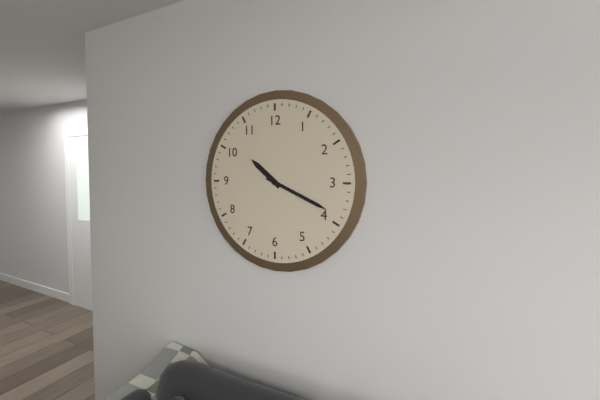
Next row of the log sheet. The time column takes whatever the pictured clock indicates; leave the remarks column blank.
10:19
